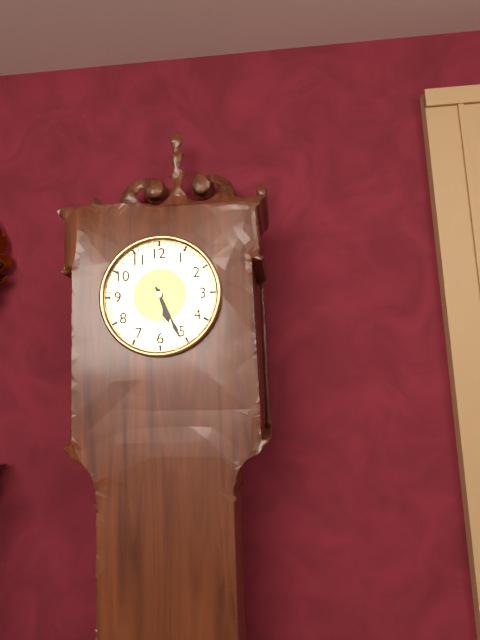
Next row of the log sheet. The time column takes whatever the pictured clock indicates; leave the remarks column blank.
5:26
